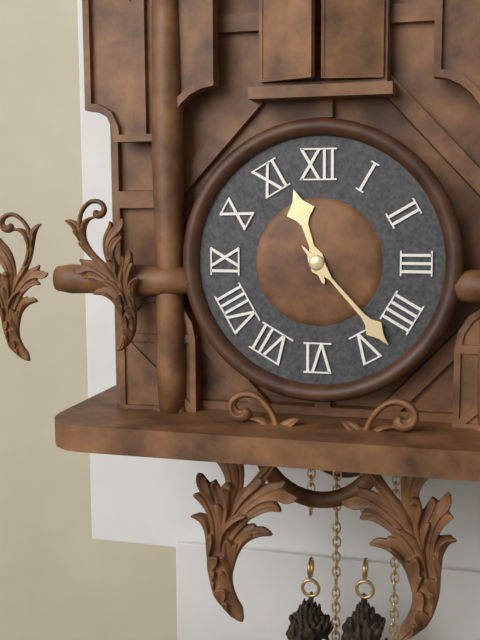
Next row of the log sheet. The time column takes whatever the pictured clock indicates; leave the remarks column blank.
11:23
